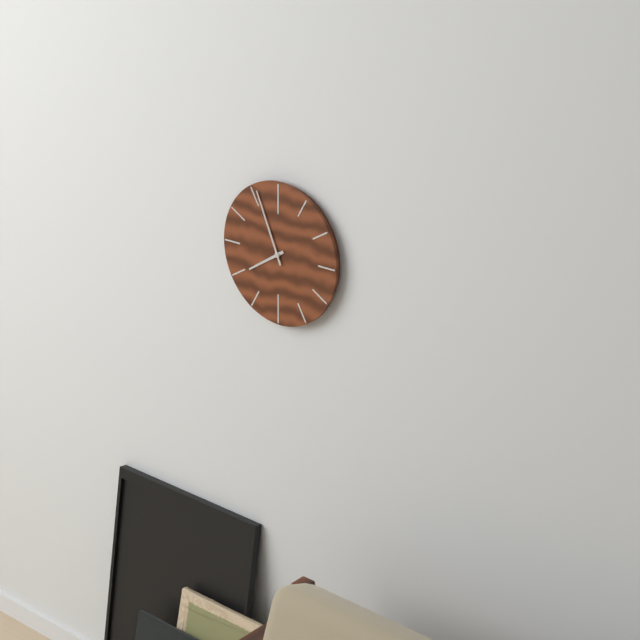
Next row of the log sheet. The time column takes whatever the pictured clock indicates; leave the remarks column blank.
7:56
